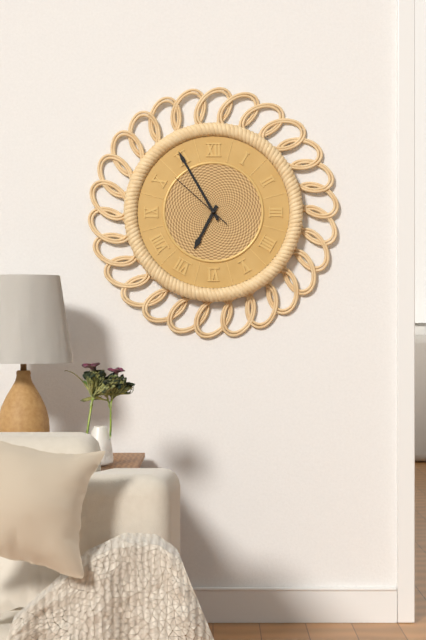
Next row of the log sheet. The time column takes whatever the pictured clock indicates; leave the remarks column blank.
6:55:52
